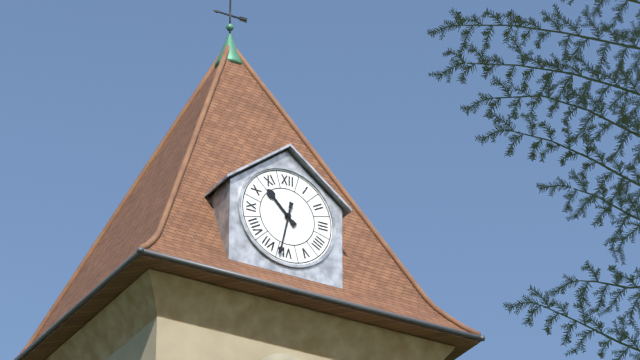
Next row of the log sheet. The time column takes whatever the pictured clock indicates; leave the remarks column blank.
10:32
